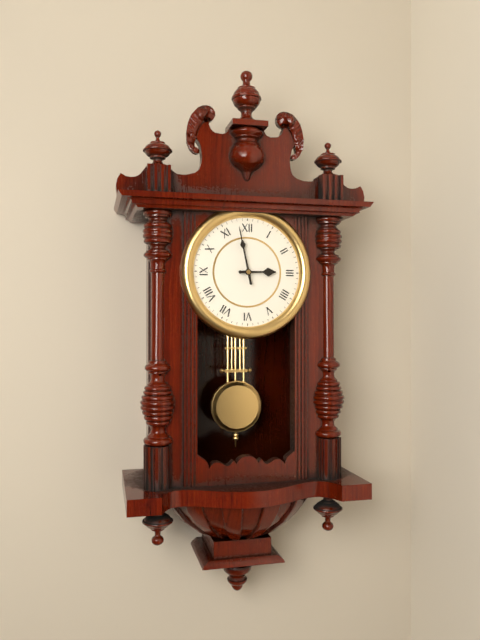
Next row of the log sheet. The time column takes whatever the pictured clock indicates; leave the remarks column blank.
2:58
